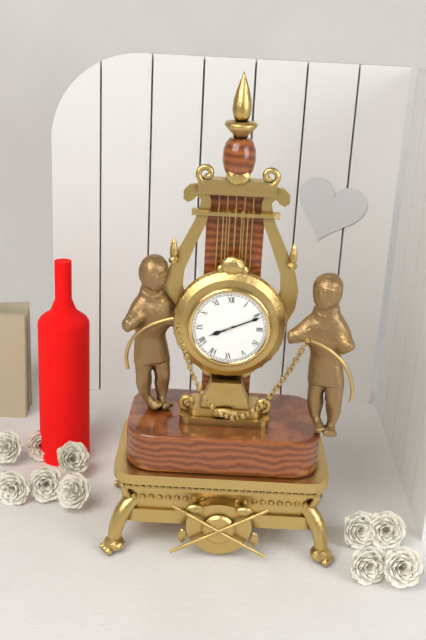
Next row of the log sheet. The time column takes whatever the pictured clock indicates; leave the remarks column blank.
8:11
